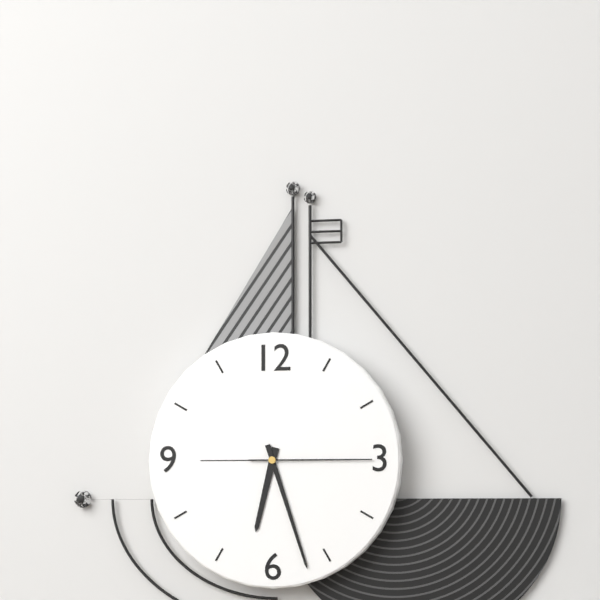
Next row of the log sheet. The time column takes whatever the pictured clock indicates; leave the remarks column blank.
6:27:15
